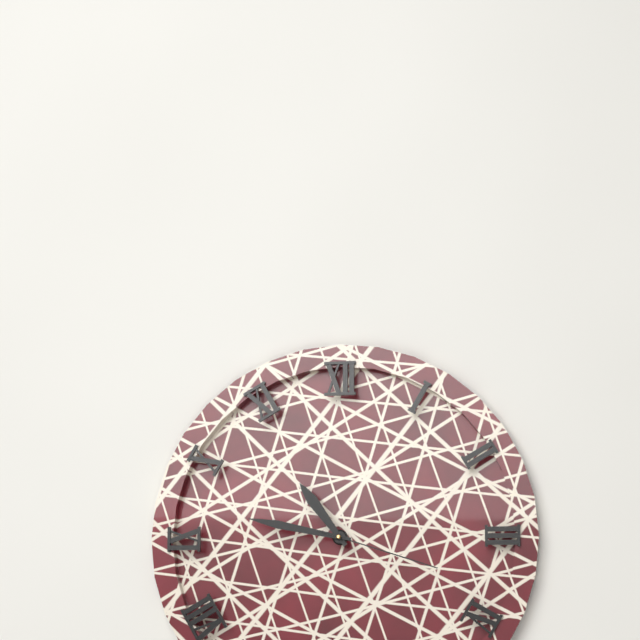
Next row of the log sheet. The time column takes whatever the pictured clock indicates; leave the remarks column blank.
10:47:18
